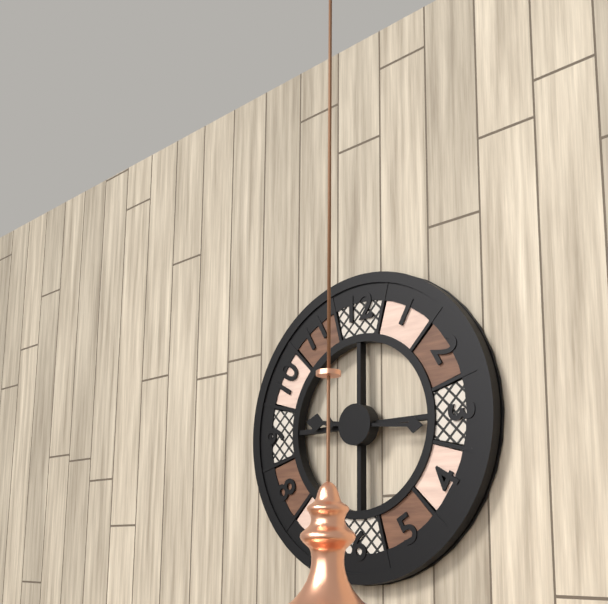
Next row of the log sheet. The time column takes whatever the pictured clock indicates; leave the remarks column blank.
9:16
